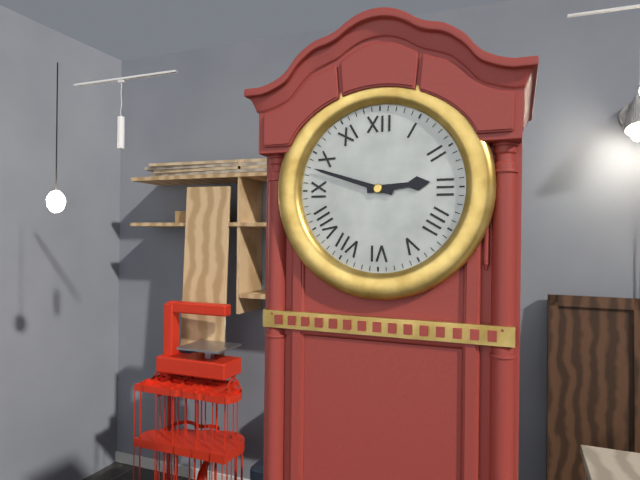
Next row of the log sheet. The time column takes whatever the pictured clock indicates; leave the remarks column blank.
2:48
